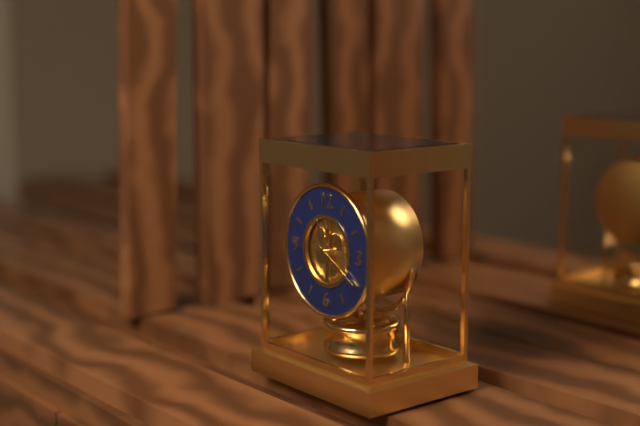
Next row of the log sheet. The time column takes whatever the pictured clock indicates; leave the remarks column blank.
11:20
